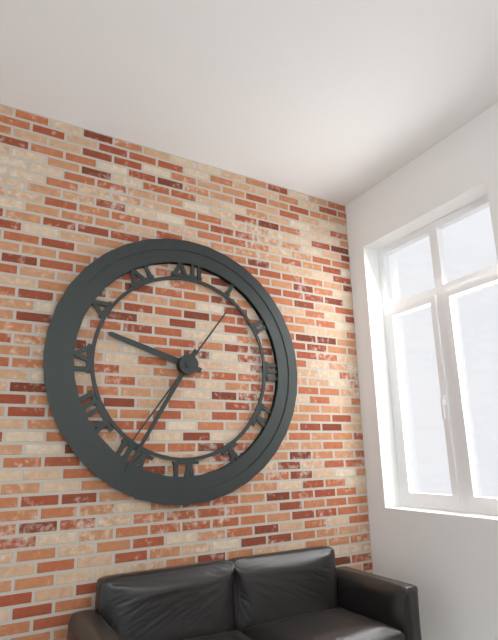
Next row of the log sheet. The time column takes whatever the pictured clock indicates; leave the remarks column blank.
9:35:36
